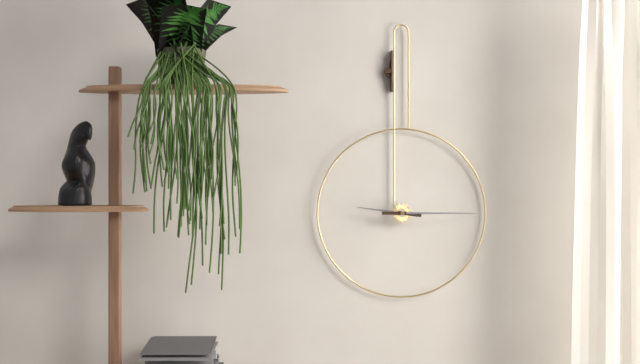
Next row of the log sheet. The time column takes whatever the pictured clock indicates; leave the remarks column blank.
9:15
